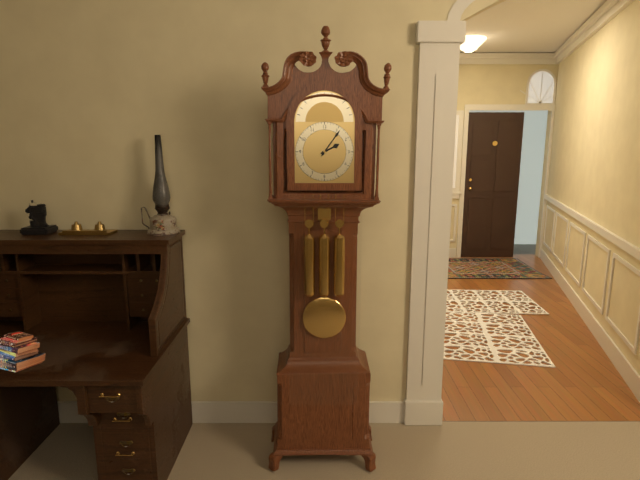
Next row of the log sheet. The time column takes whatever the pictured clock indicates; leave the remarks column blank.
2:06
